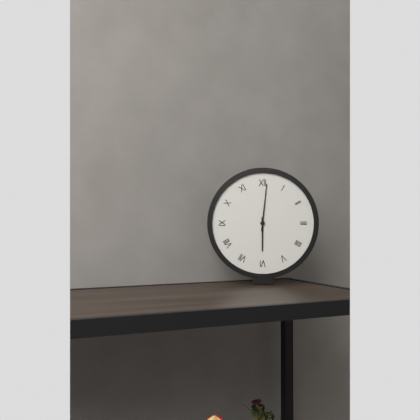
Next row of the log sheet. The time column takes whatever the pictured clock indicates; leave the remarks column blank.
6:01
